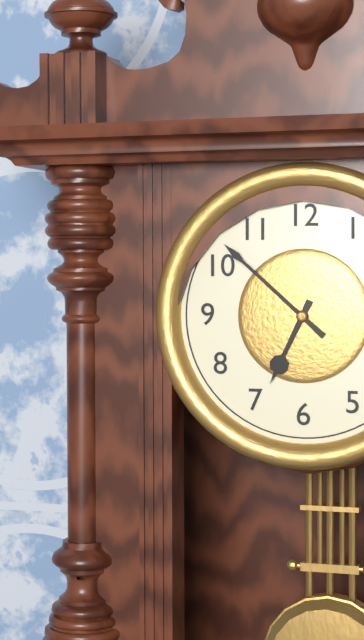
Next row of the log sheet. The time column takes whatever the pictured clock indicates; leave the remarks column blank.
6:52
